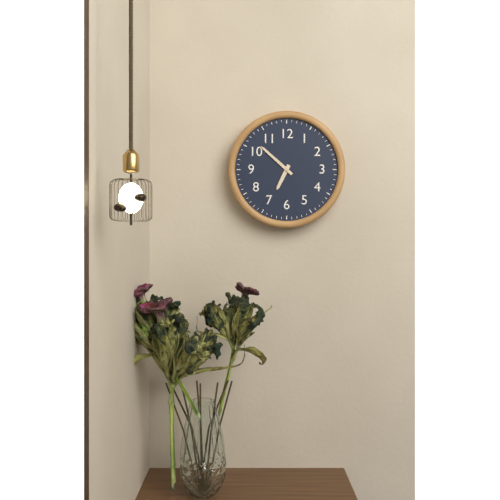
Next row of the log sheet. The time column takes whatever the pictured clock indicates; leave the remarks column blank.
6:52
